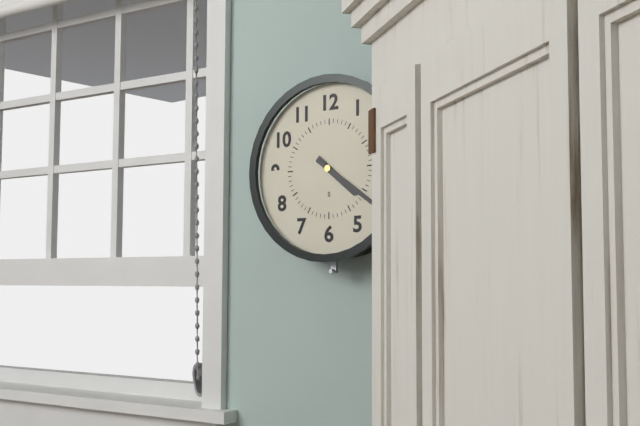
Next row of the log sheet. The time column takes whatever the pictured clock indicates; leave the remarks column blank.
4:21
